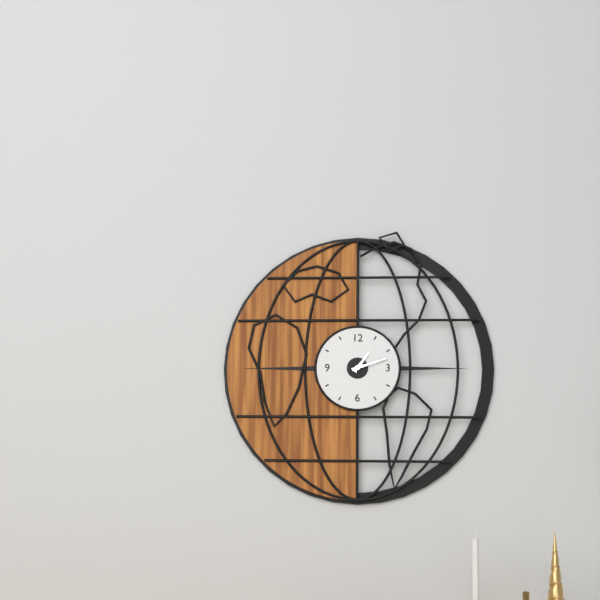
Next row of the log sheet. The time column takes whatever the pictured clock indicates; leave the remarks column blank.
1:12
